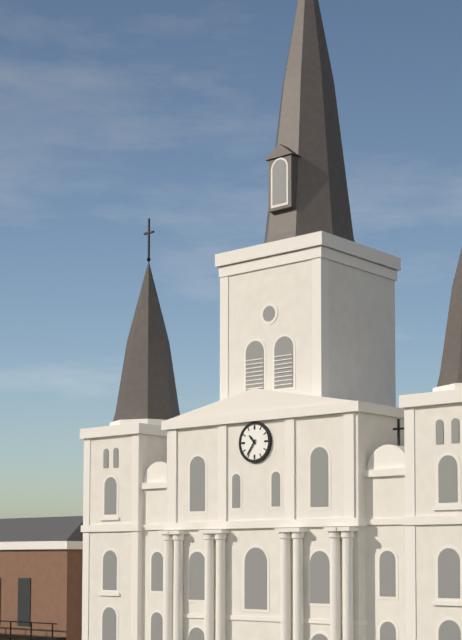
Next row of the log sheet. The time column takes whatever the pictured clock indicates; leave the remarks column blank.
10:36
